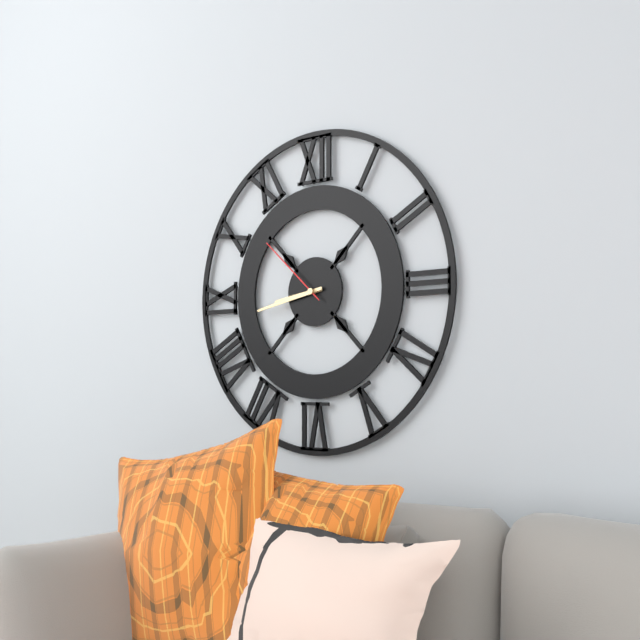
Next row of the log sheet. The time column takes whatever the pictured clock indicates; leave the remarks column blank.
8:43:52
